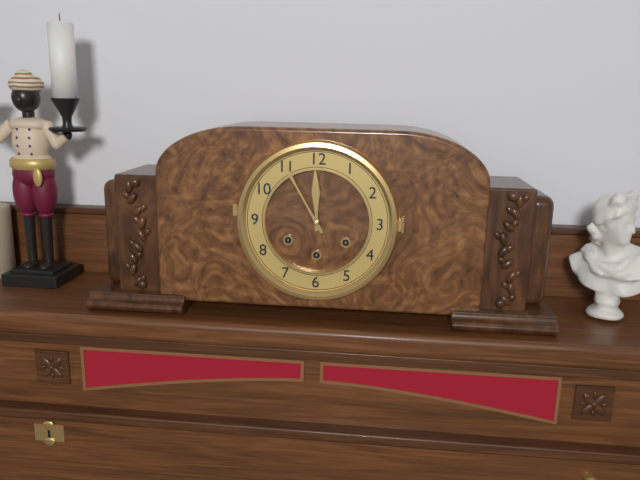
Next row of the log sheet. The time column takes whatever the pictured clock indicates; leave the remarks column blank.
11:55
